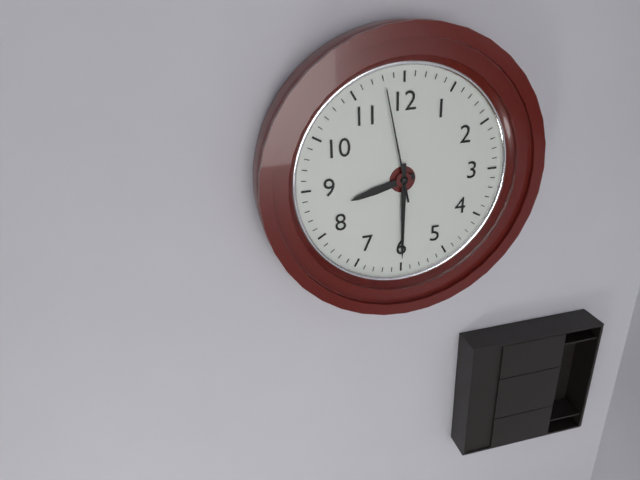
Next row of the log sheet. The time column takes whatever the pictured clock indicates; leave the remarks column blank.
8:30:58
